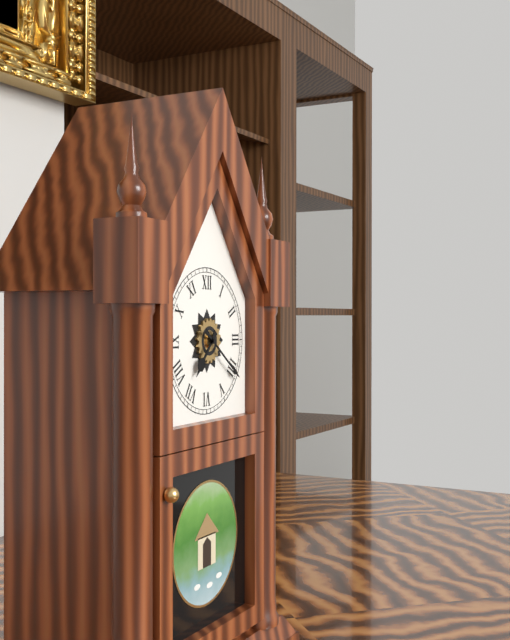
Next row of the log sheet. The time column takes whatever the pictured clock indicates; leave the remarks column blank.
7:21
